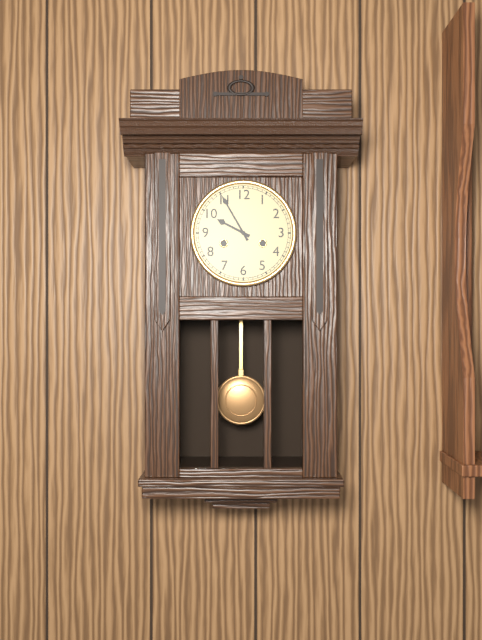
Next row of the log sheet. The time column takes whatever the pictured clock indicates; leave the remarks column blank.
9:55
